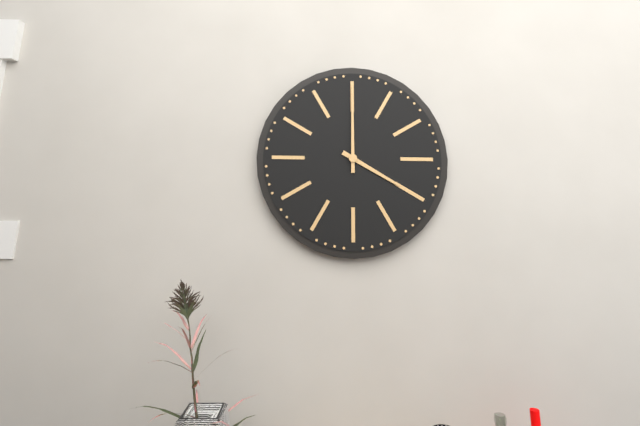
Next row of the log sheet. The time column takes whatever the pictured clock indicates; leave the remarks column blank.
4:00
